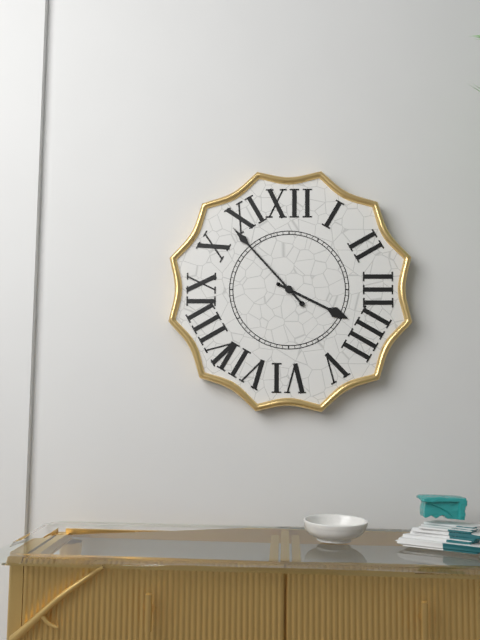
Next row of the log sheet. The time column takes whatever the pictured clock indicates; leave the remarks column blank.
3:53
